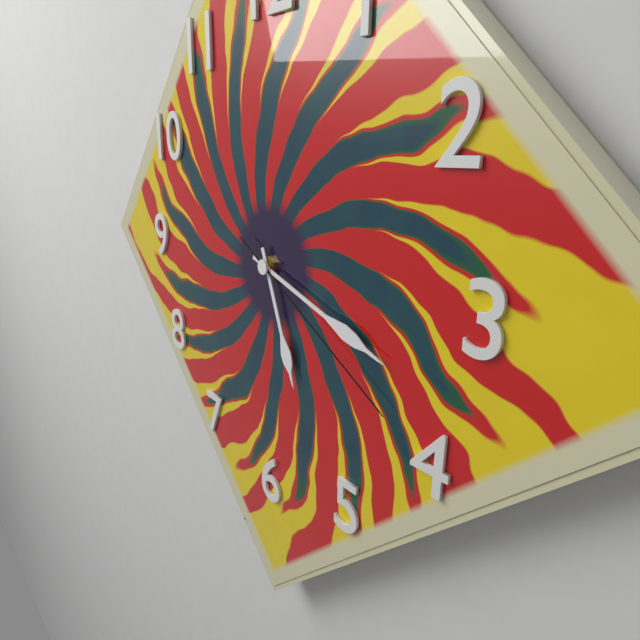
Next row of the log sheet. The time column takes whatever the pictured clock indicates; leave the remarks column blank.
5:18:20
